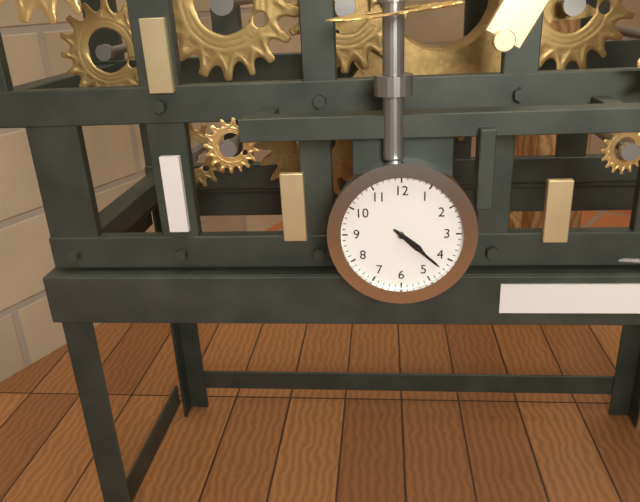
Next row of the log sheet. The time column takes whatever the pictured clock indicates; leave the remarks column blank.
4:22
